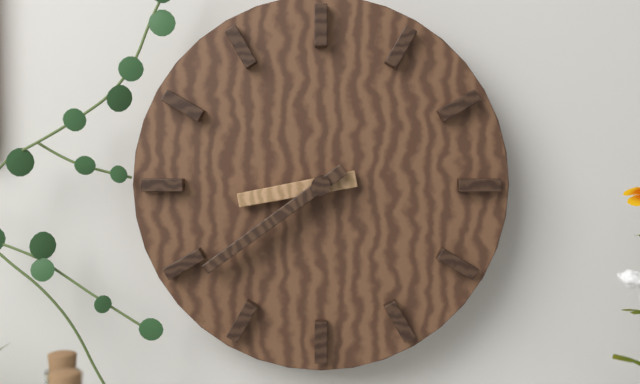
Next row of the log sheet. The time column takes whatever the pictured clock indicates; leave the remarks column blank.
8:39
